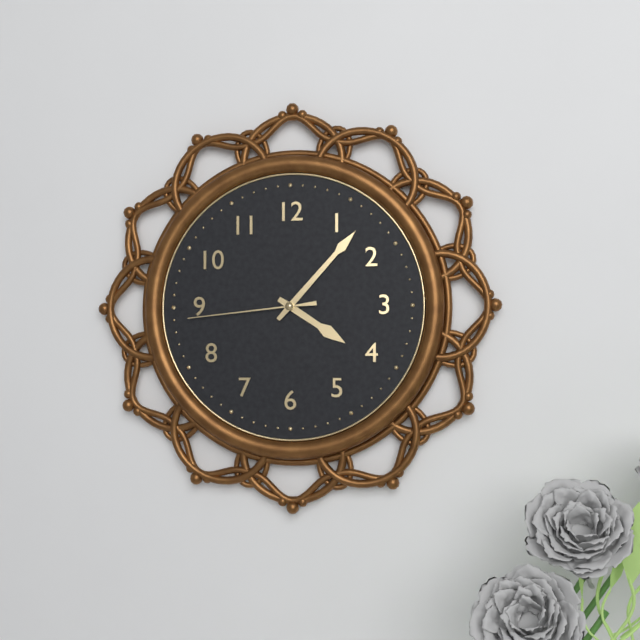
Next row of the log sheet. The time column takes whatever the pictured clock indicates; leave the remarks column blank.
4:07:44
